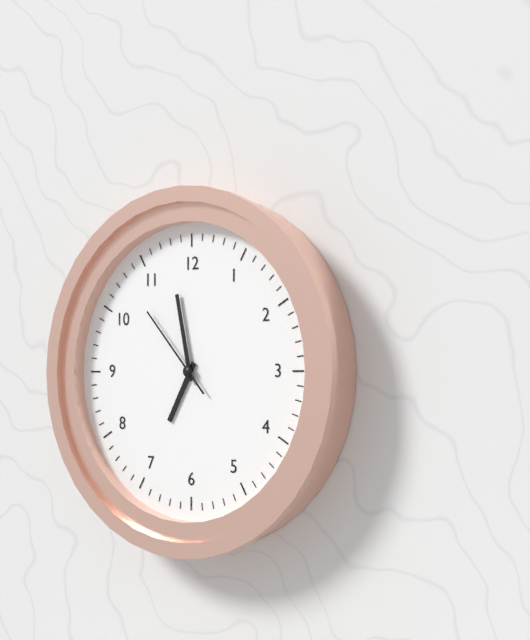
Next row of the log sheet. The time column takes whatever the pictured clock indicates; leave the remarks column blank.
6:58:53
